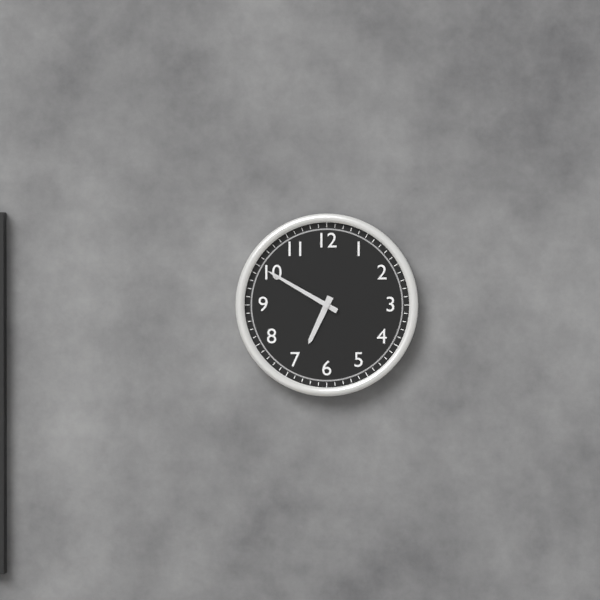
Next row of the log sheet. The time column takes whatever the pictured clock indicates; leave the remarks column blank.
6:50
